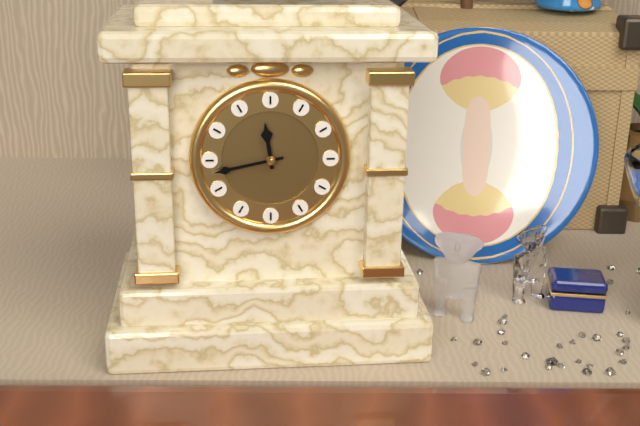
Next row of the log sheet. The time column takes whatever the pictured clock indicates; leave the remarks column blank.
11:43
